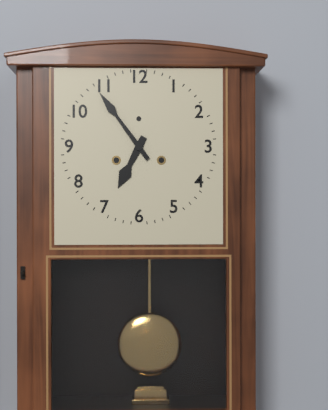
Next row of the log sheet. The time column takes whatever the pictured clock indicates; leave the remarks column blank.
6:54
